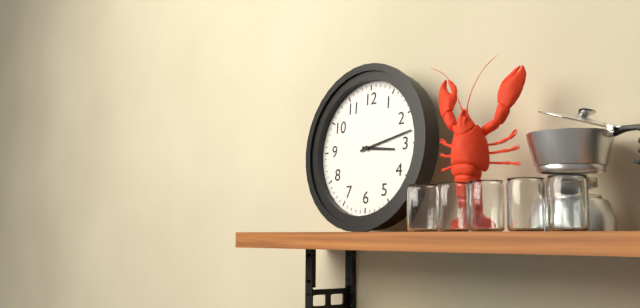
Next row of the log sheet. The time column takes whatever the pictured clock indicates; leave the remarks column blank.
3:13
